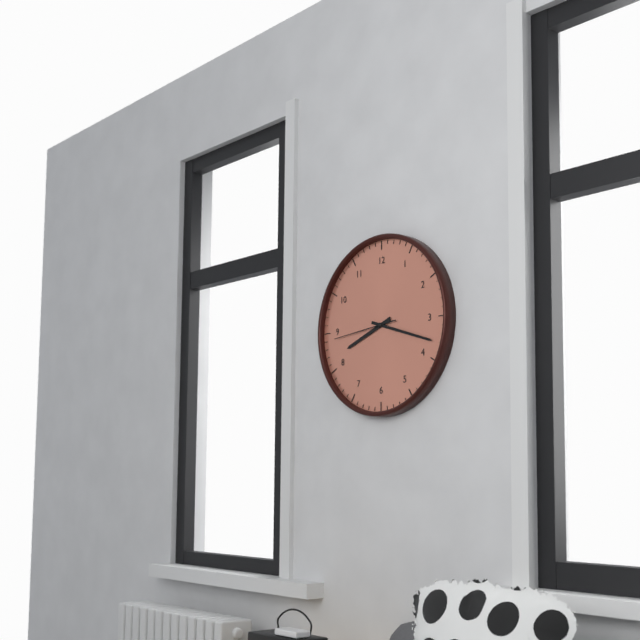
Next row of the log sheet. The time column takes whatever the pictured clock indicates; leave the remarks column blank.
8:18:44
